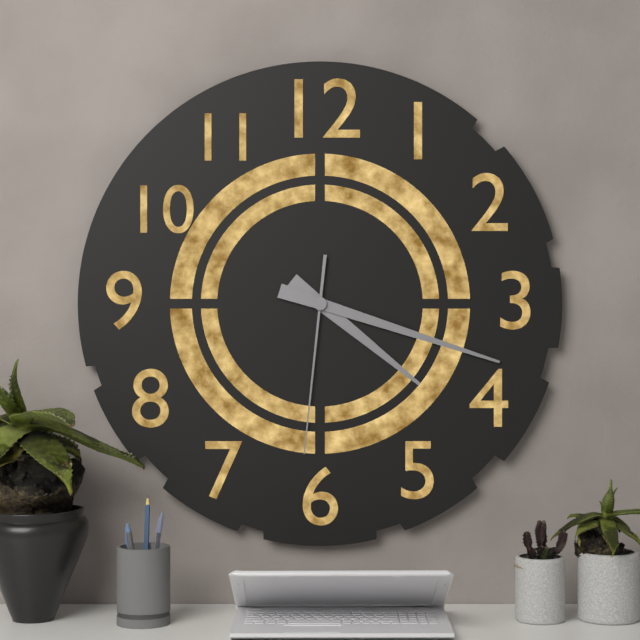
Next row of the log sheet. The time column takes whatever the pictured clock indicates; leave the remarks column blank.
4:18:31
